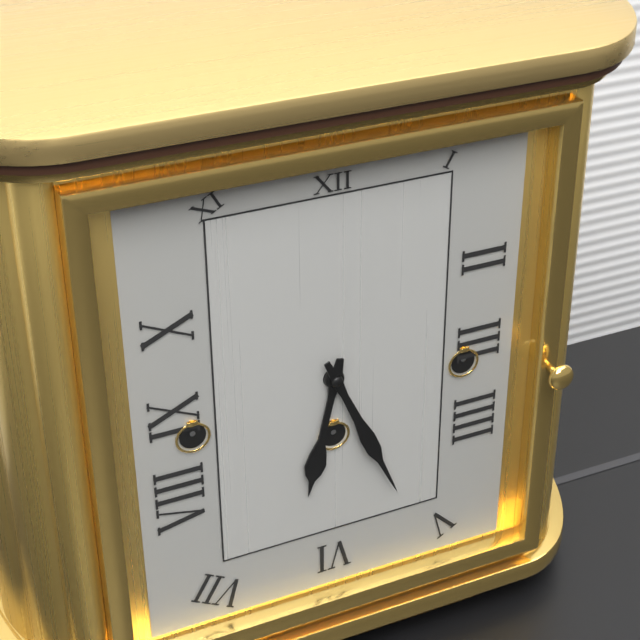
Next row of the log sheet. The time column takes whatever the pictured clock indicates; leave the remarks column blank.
6:26
